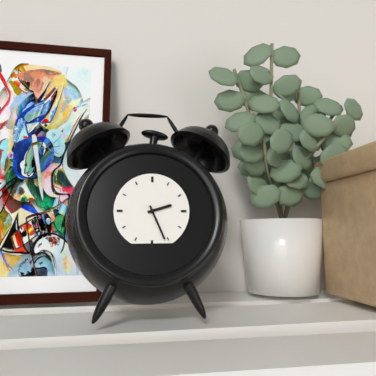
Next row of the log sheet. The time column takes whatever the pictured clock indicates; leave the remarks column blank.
2:26
